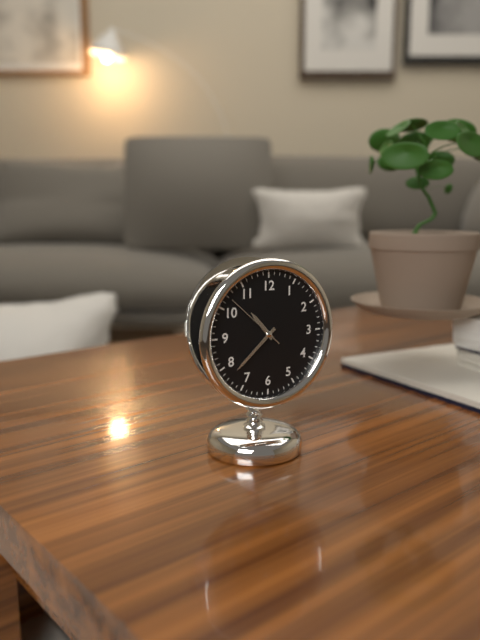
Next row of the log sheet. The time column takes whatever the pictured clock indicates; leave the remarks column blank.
10:38:52
